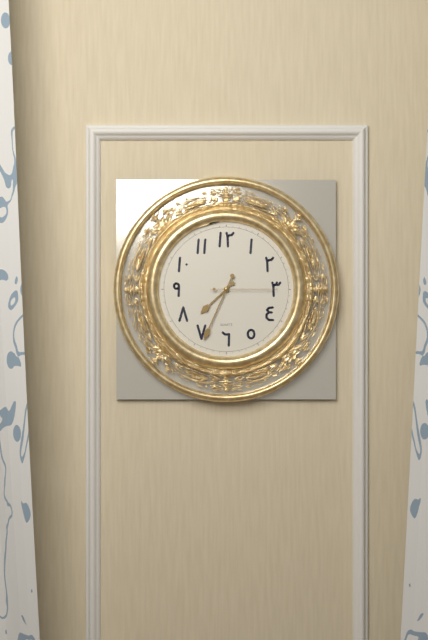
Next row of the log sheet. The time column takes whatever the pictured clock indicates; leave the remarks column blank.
7:34:15
